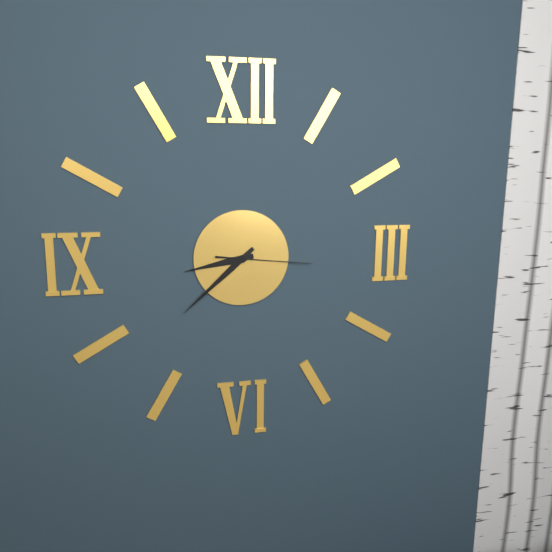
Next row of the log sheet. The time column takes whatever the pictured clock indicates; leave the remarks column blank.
8:38:16
